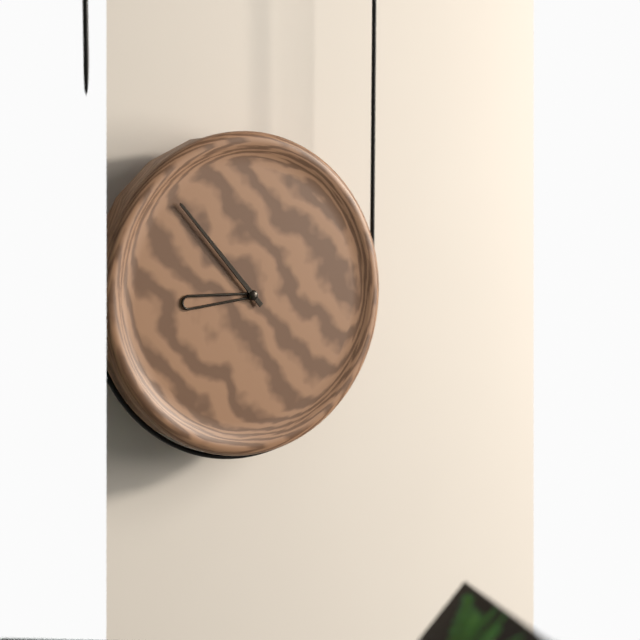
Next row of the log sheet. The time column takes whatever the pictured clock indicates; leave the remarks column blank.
8:53
